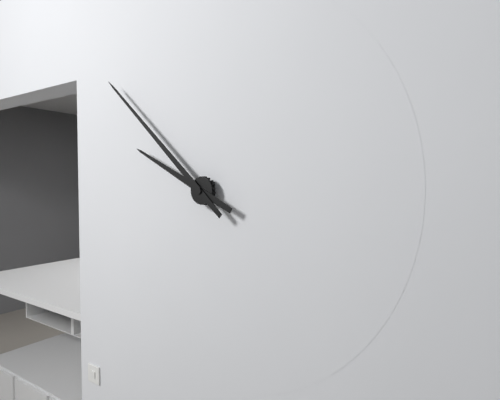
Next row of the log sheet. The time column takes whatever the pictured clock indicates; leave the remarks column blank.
9:52
